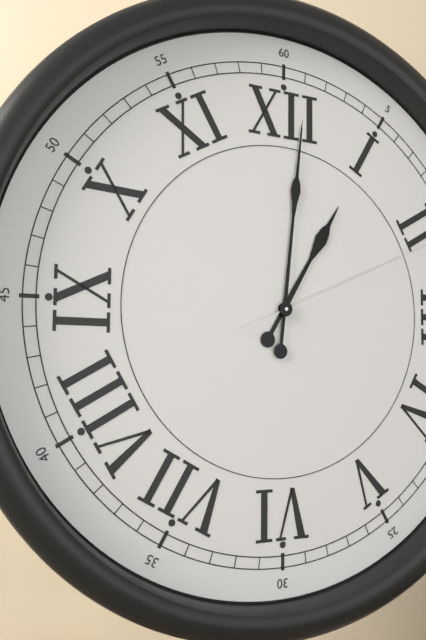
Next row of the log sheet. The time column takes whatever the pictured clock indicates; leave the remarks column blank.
1:01
